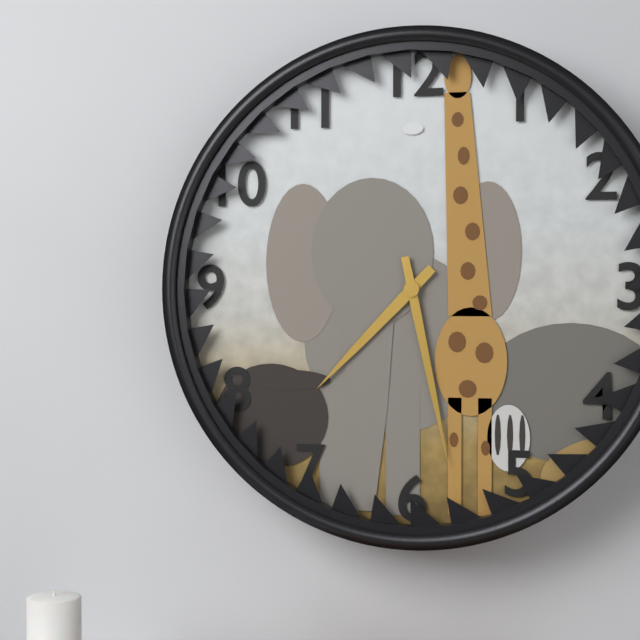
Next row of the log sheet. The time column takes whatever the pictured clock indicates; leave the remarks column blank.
7:28
